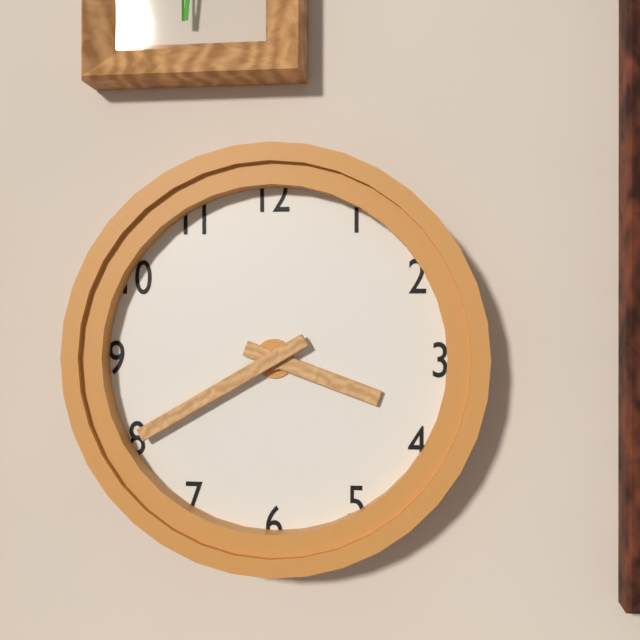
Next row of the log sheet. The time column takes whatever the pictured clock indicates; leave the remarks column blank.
3:40
